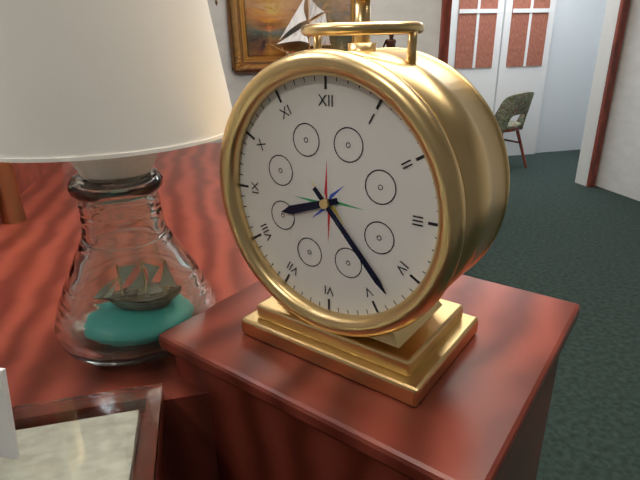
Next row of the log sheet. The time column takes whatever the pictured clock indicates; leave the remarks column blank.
8:23
